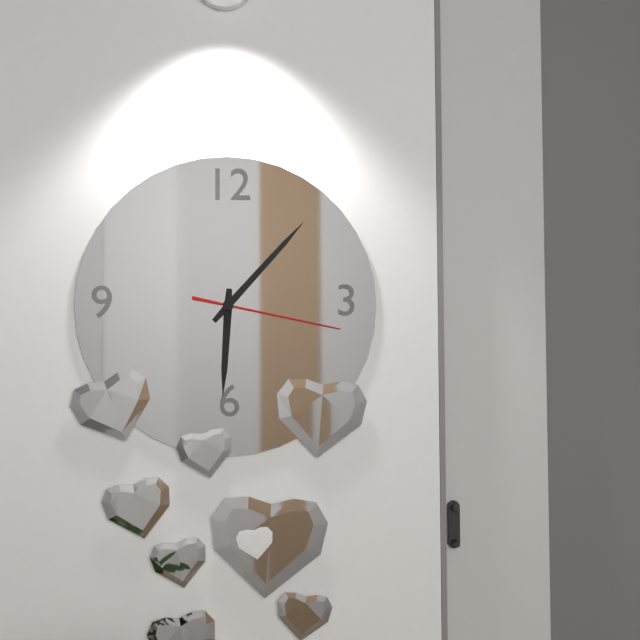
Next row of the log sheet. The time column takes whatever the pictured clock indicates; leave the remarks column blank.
6:07:17
